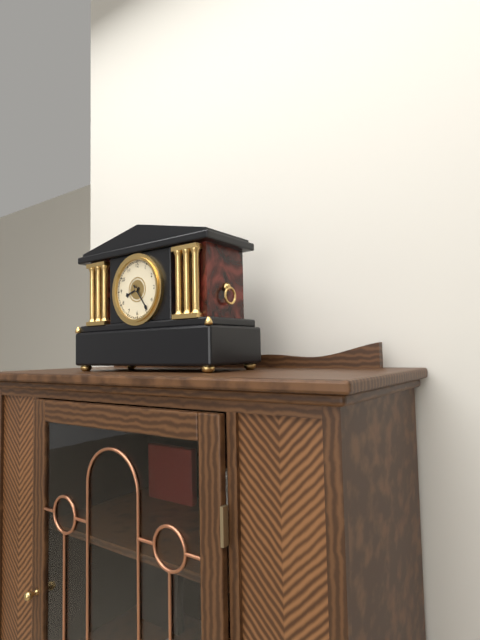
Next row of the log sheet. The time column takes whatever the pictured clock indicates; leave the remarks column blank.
8:24
